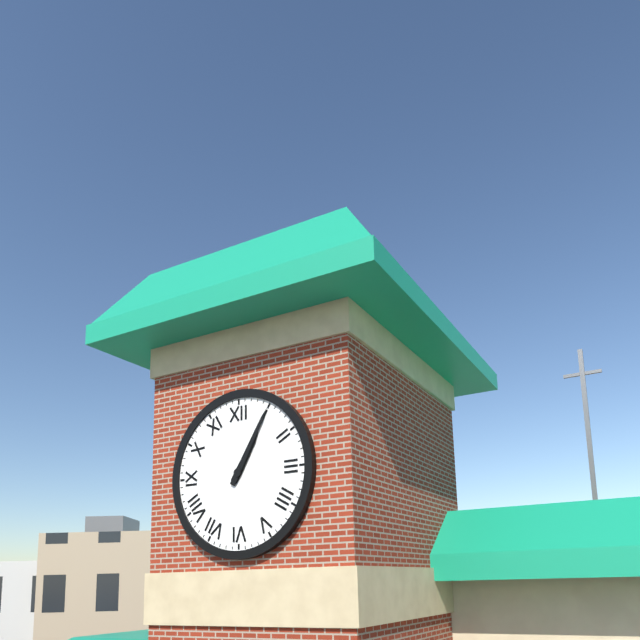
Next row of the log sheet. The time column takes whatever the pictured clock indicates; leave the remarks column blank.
1:05
